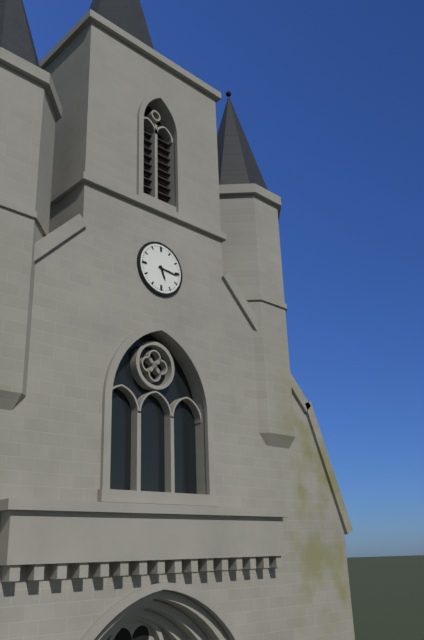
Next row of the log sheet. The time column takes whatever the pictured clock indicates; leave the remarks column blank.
5:16
